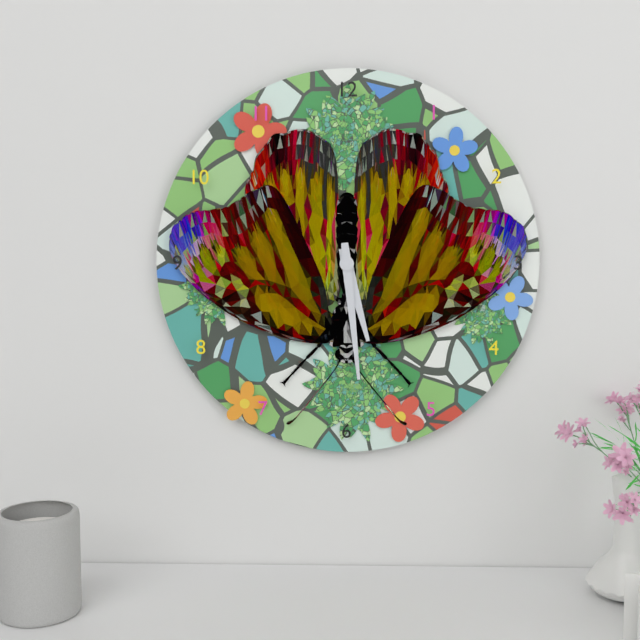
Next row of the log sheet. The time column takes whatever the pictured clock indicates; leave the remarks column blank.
5:29
